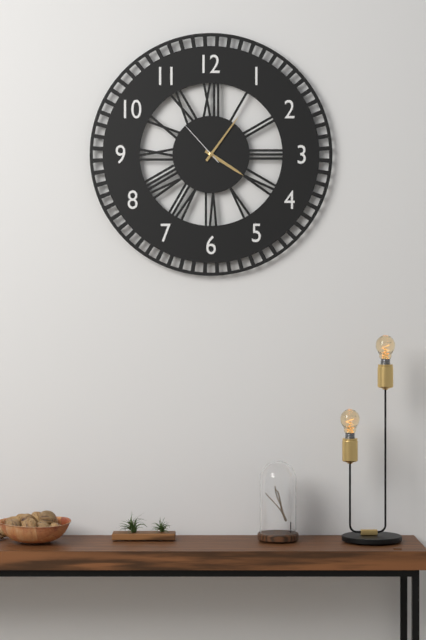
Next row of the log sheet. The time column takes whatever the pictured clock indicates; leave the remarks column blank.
4:06:53
